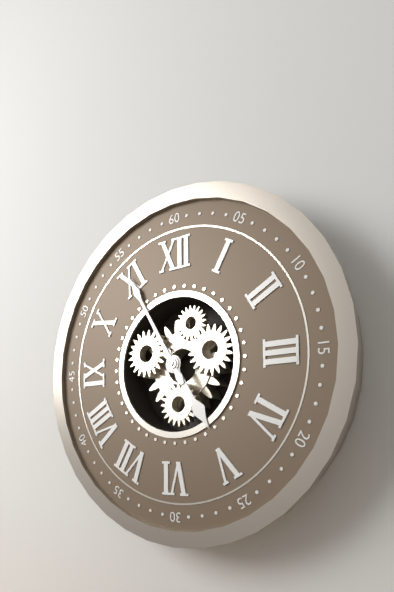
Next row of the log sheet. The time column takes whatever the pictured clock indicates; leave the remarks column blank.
4:55
